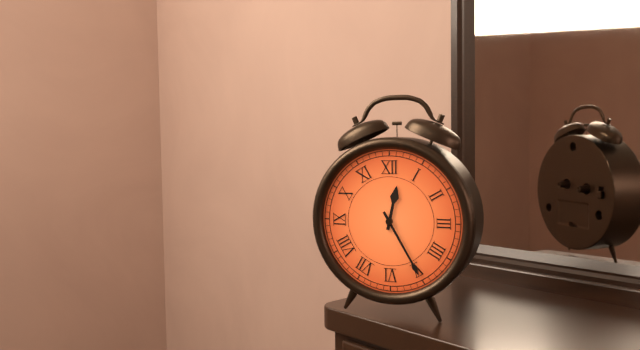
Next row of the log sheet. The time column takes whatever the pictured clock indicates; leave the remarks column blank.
12:25
